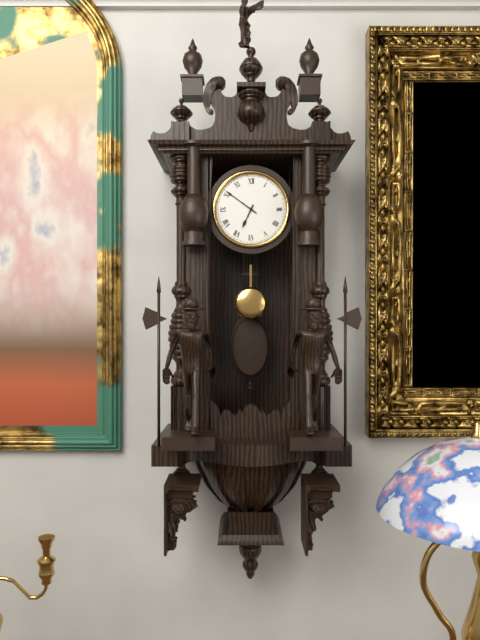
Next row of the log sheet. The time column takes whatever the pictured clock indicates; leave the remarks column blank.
6:51
